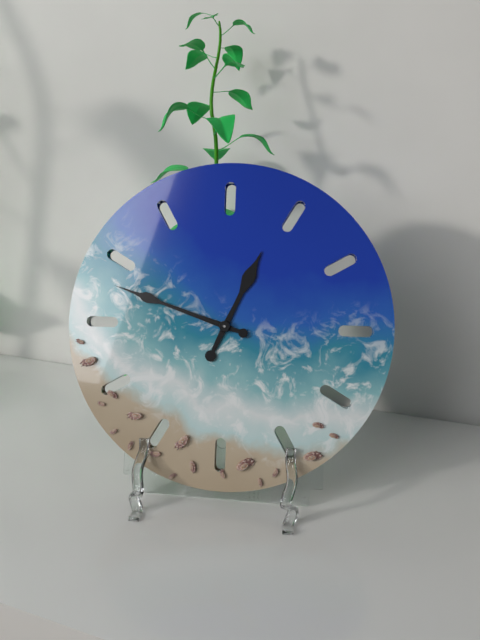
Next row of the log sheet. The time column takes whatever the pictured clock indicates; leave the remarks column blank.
12:48
